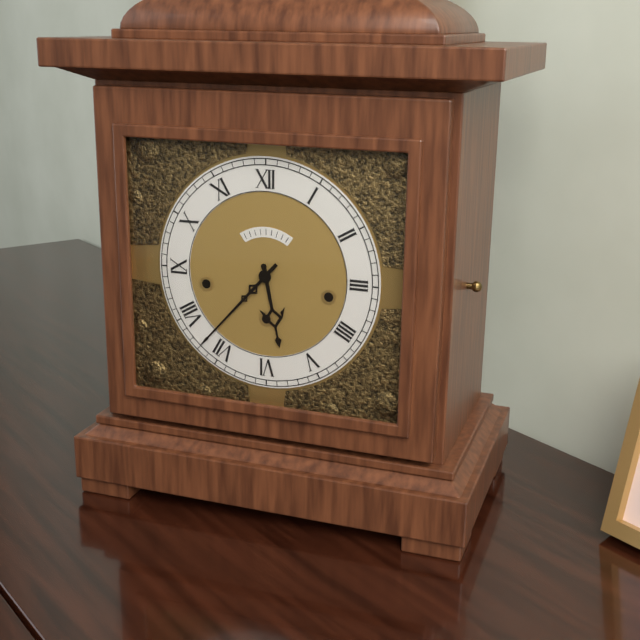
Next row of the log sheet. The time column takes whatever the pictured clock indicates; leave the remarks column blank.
5:37
